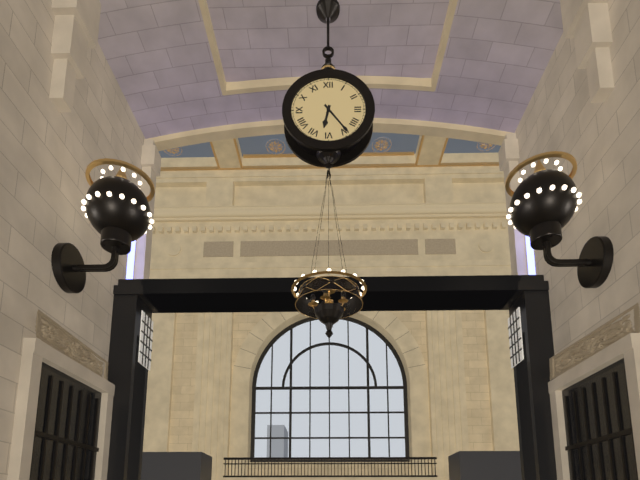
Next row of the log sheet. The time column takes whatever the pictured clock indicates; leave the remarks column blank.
6:24
